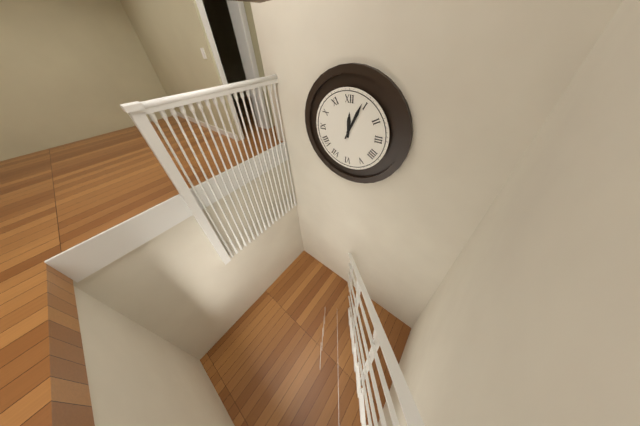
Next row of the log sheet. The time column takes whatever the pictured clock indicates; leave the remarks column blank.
12:04
